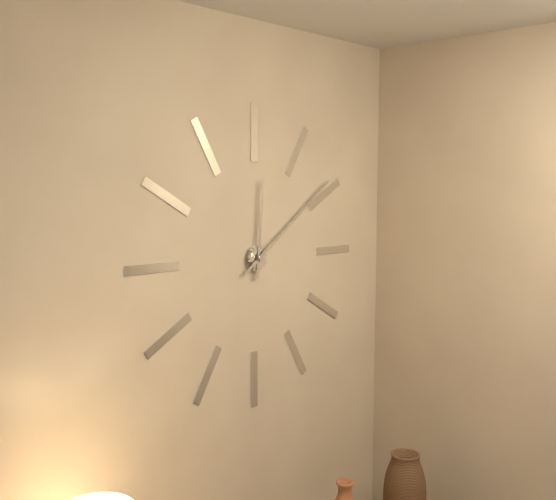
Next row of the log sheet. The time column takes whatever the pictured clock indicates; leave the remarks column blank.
12:09
